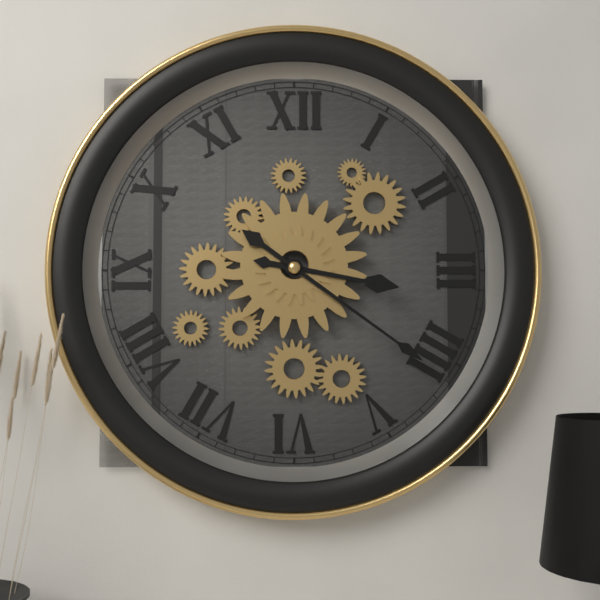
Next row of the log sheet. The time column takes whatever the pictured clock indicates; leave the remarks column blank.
3:21
